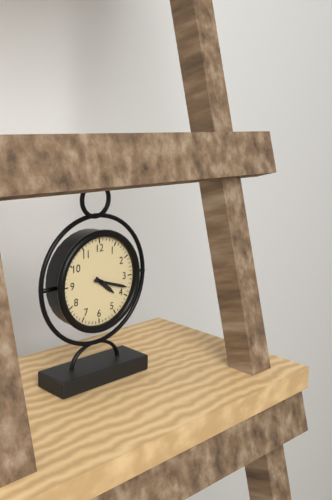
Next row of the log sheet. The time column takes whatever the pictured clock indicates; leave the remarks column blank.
4:18
